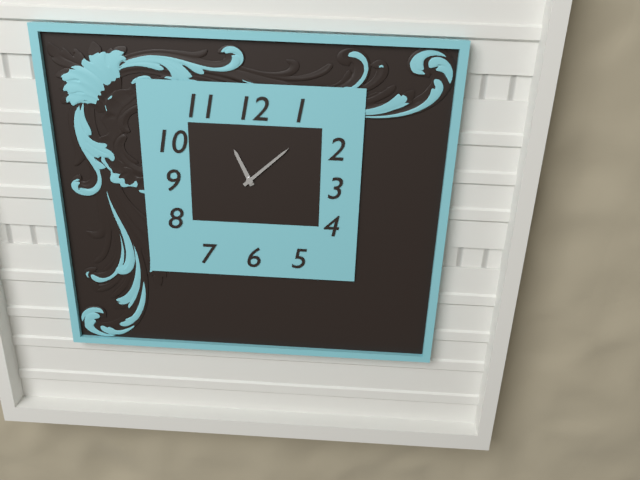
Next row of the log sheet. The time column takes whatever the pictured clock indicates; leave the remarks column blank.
11:08
